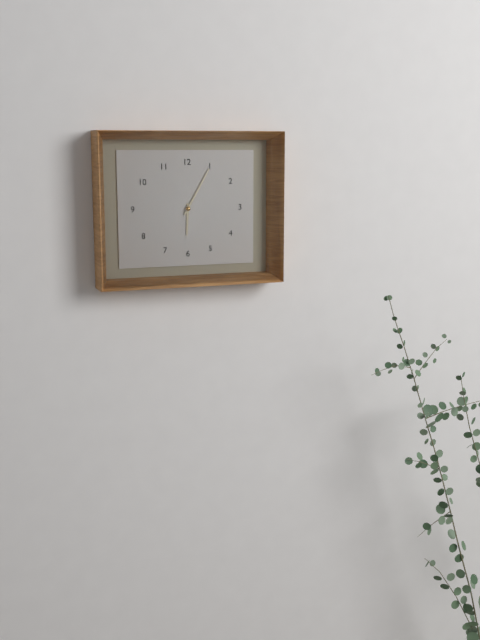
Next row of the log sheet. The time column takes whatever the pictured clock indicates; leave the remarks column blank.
6:05
